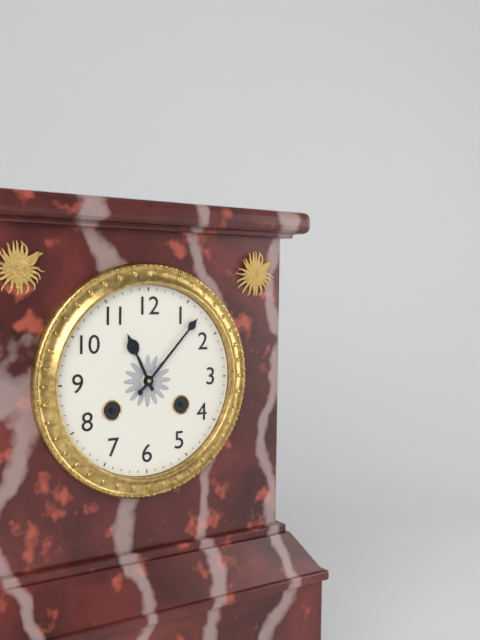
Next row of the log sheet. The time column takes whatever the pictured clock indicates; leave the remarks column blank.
11:07
